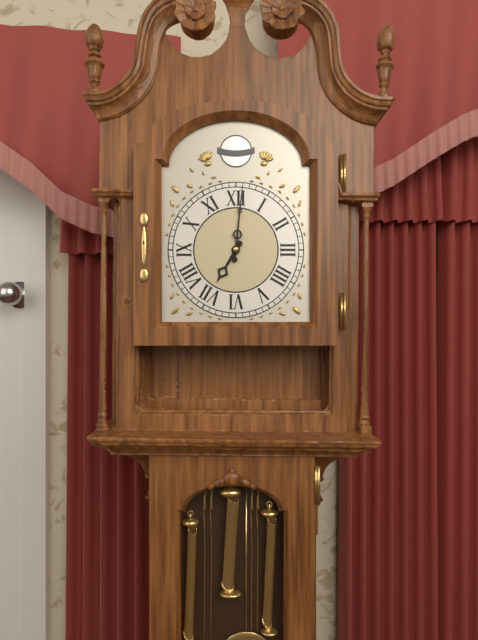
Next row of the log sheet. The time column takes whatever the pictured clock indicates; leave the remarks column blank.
7:01
